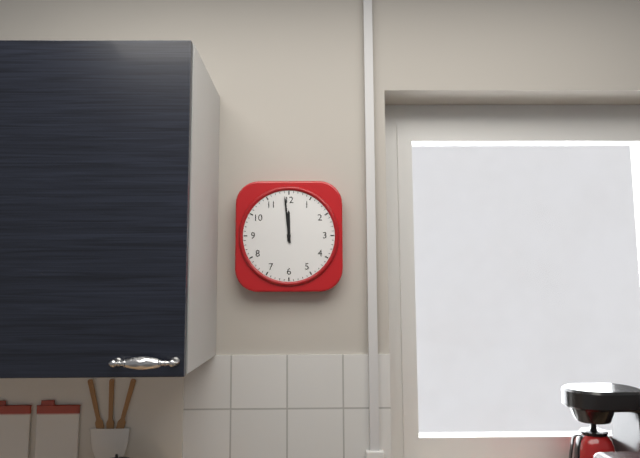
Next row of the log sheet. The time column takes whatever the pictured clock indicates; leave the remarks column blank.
11:59
